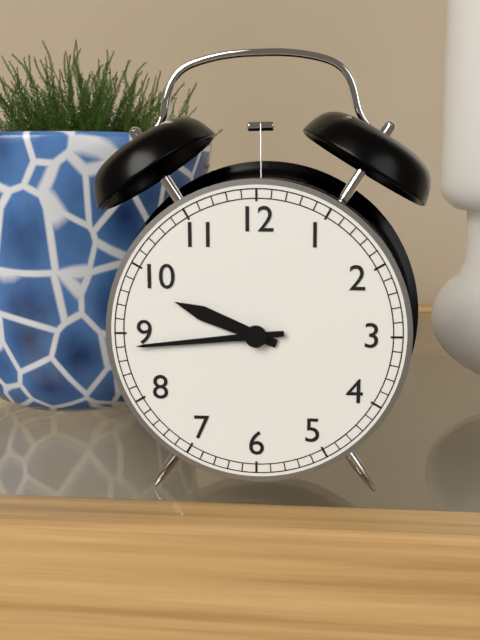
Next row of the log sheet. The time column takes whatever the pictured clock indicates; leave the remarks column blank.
9:44
